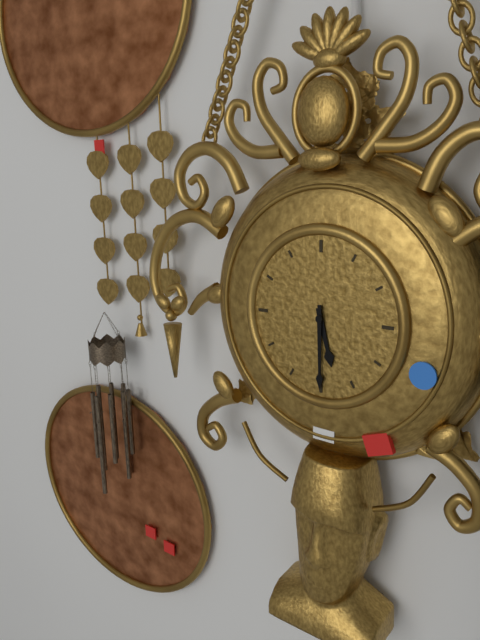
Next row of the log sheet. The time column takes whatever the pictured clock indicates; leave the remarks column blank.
5:30
